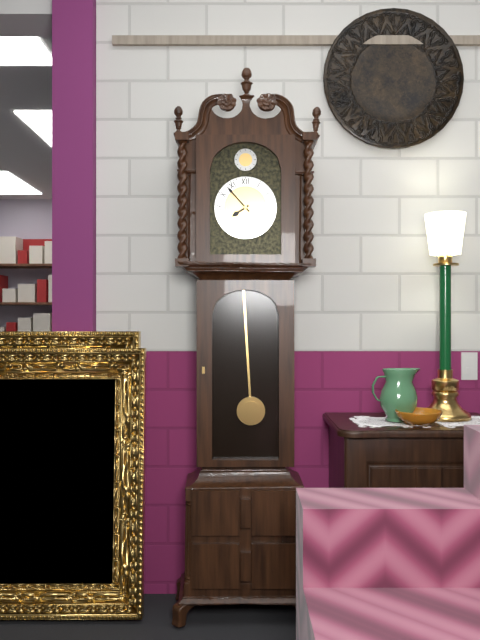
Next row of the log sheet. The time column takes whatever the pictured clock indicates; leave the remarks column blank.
7:53
